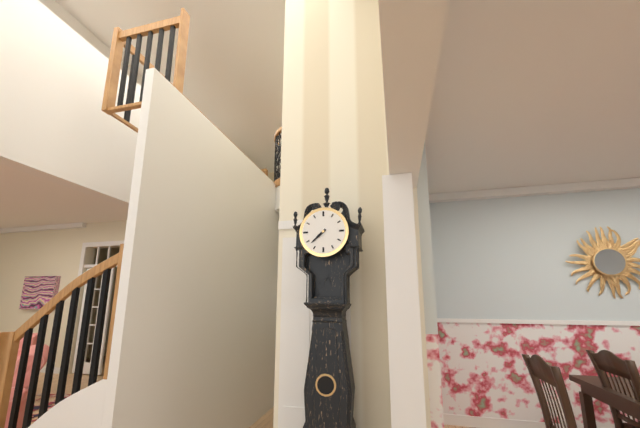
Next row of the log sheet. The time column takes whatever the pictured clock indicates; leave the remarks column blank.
7:38
